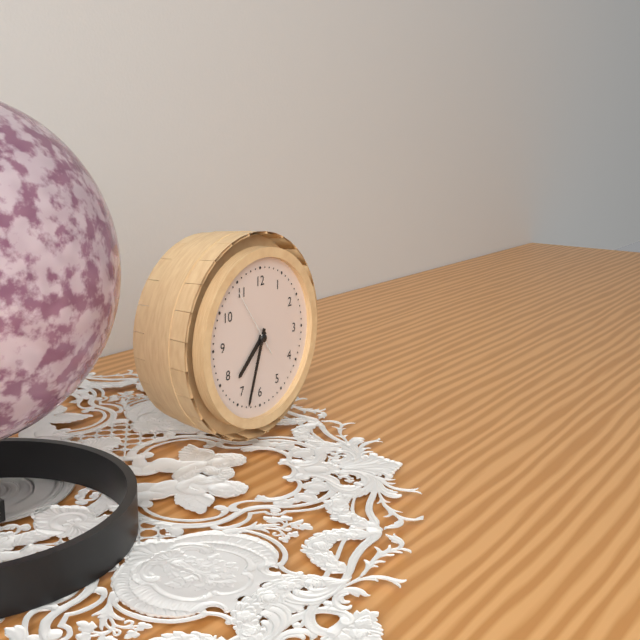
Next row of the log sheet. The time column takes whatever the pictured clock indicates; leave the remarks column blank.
7:33:54
